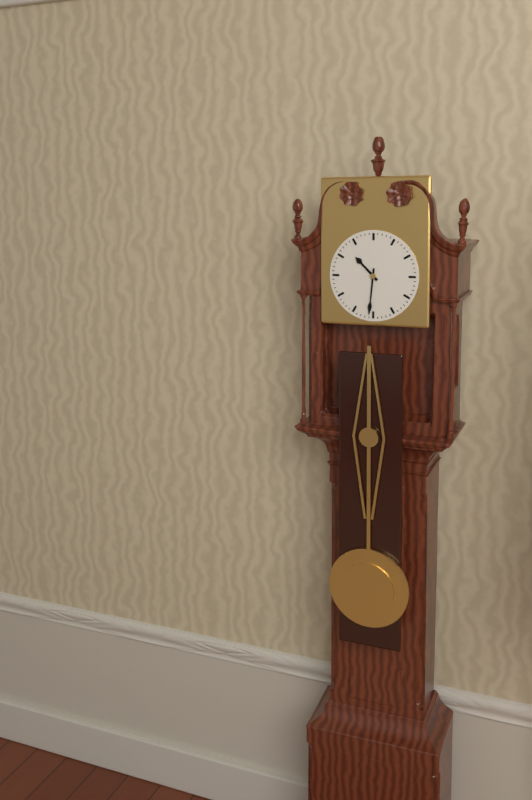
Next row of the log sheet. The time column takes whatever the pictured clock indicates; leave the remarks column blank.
10:31
